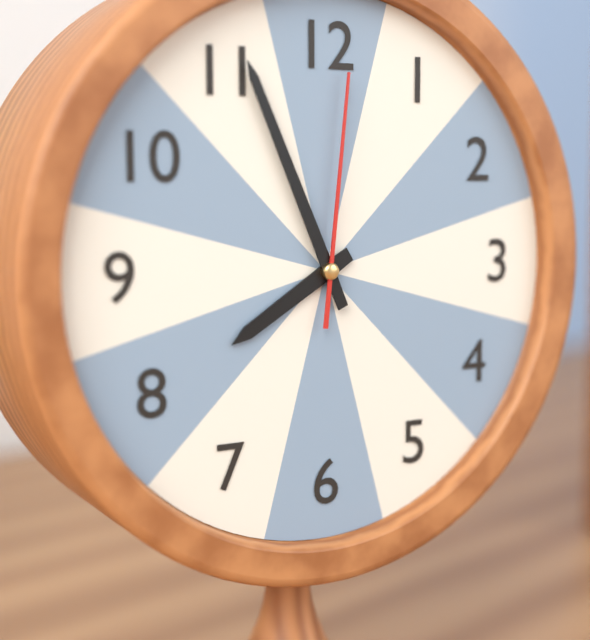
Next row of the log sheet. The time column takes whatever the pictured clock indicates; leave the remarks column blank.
7:56:01
